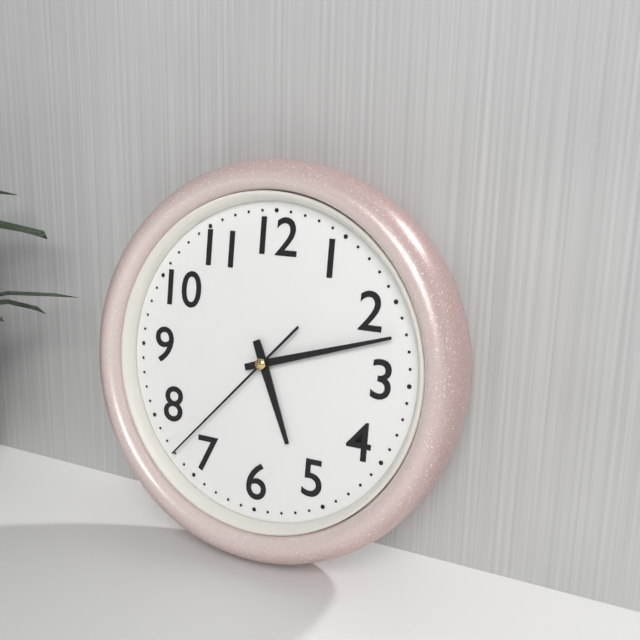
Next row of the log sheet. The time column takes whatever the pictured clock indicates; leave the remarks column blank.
5:12:37
